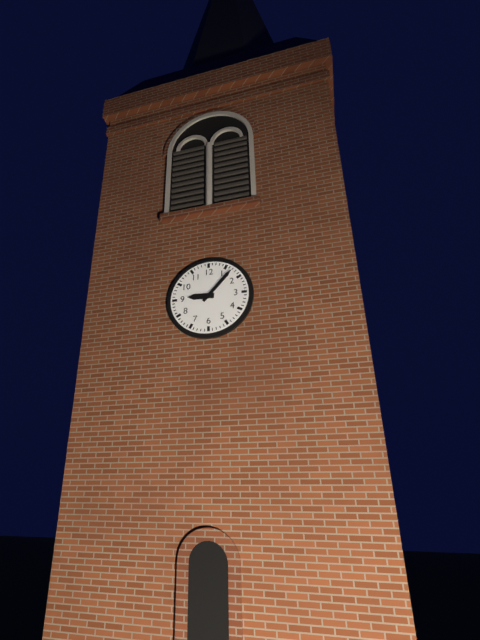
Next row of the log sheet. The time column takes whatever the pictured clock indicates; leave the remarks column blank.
9:07
